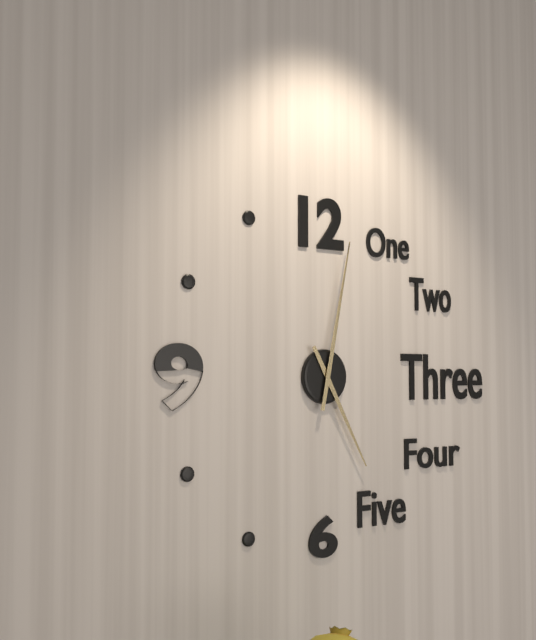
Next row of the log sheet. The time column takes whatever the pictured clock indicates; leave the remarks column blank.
5:02
